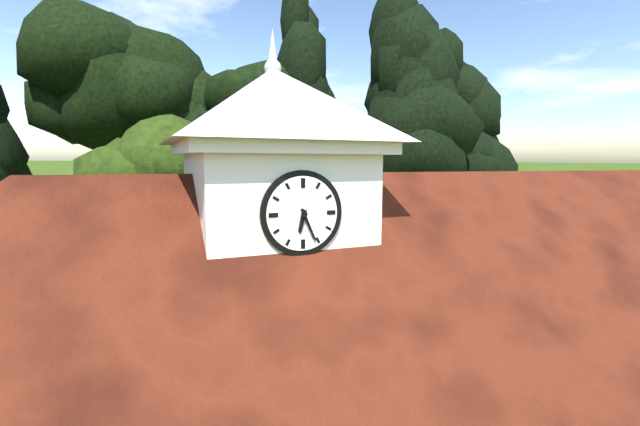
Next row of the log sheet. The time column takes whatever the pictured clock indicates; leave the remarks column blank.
6:26
